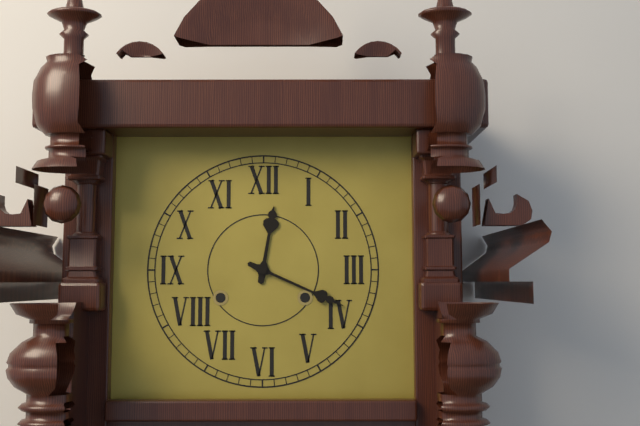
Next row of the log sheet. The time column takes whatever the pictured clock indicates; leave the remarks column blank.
12:19
